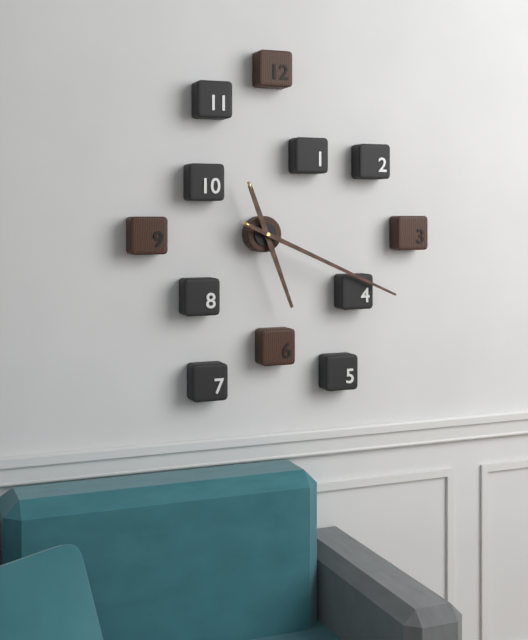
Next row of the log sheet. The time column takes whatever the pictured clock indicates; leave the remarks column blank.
5:19
